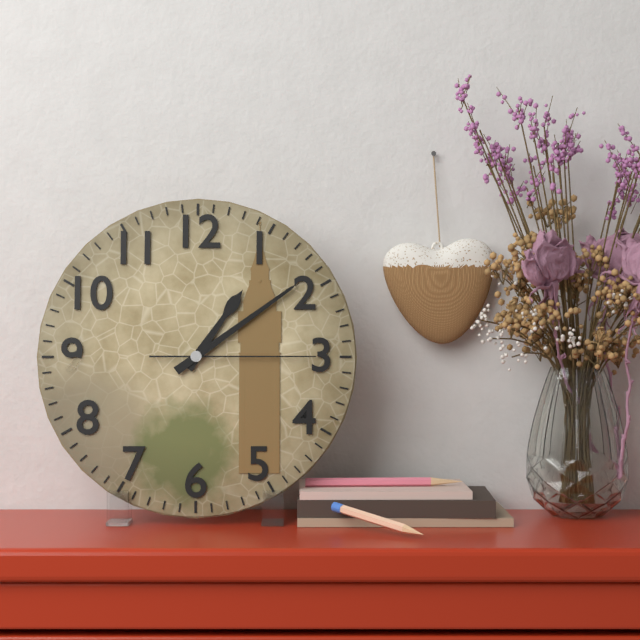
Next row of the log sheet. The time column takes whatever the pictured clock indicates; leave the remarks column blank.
1:09:15
